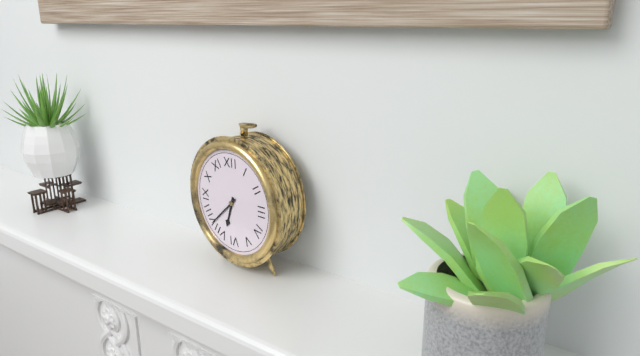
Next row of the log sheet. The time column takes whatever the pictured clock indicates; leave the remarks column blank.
6:38
